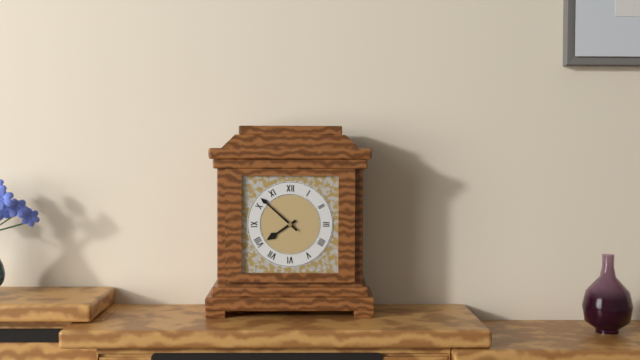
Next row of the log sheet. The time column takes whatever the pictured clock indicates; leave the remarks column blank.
7:52
